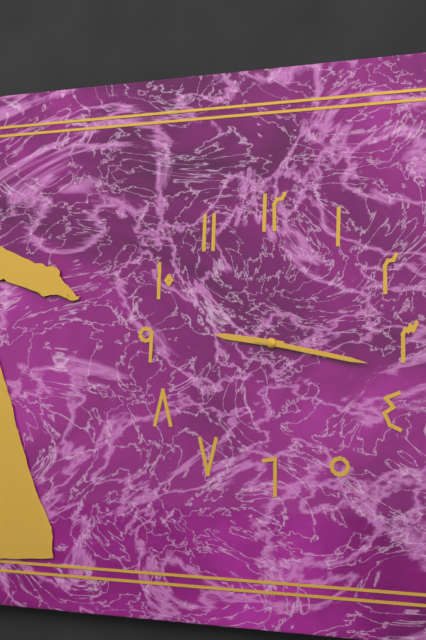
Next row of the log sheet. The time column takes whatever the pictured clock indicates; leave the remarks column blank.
9:17
